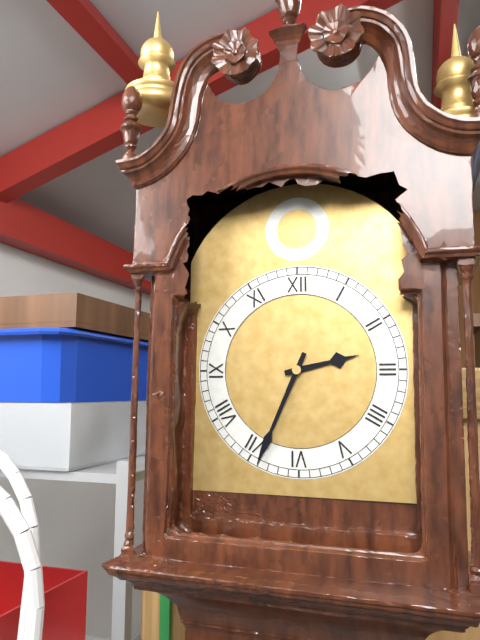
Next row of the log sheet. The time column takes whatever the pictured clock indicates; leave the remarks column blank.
2:34
